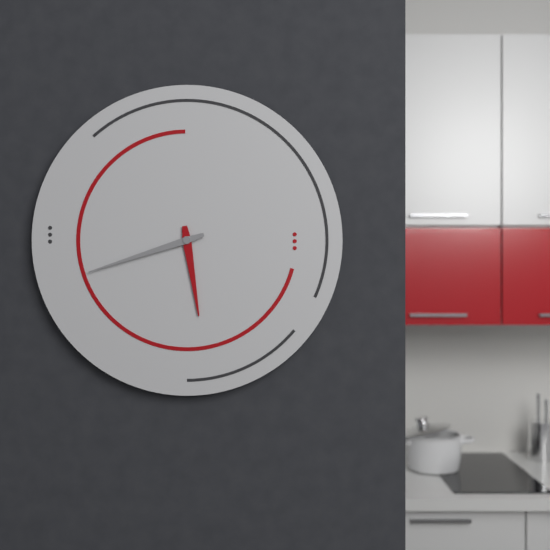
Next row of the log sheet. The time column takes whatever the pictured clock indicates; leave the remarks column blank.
5:42
